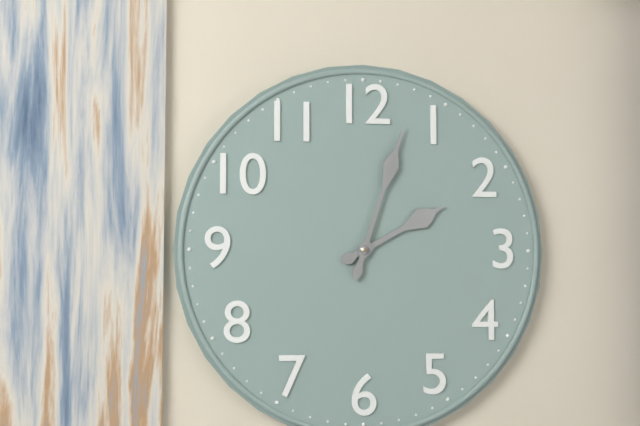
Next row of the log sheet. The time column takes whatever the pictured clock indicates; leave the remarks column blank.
2:03
